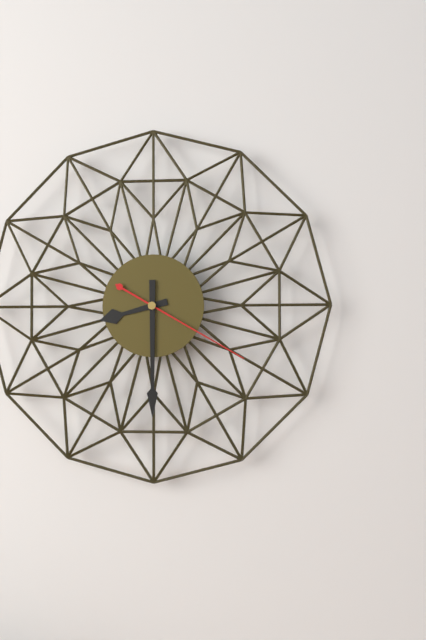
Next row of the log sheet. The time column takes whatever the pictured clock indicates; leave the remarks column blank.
8:30:20
